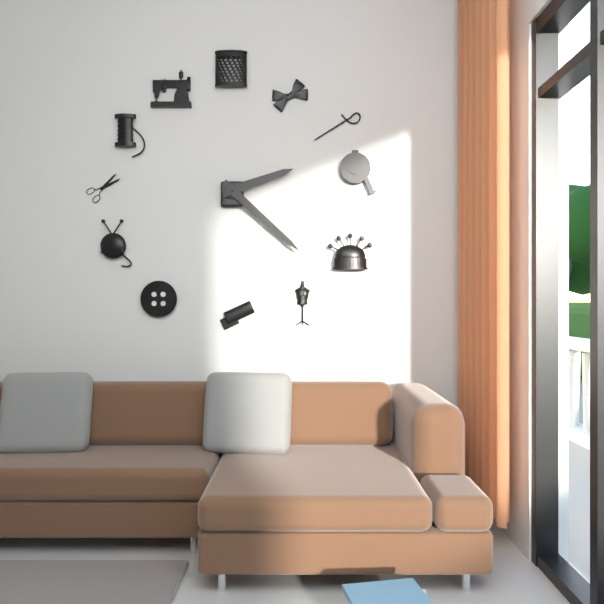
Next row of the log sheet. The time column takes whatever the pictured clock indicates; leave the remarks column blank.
2:22
